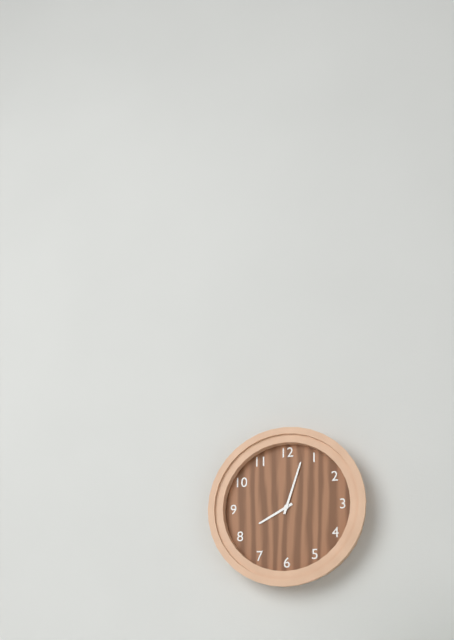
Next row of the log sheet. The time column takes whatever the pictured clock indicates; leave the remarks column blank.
8:03
